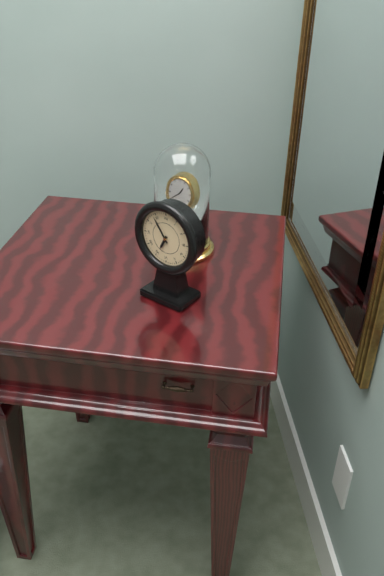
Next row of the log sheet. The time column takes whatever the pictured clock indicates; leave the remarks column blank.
6:54
